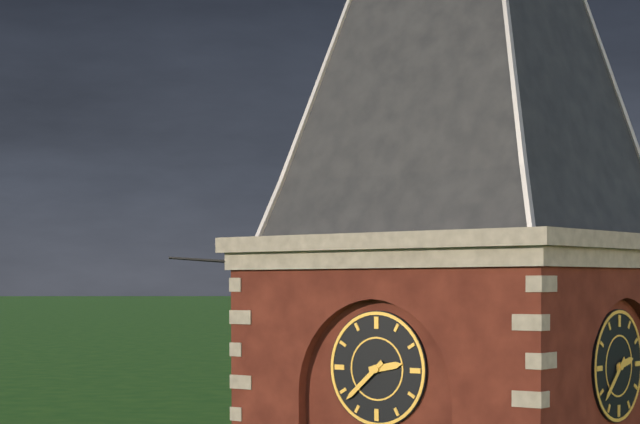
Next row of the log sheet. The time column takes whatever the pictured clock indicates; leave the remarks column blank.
2:38
